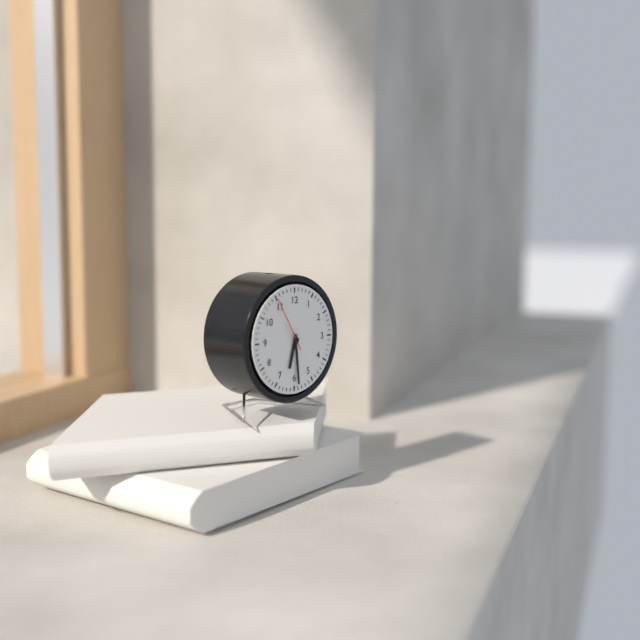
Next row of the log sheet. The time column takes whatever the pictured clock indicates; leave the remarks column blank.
6:29
